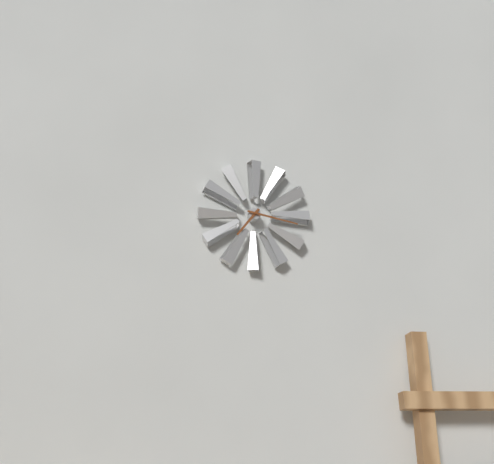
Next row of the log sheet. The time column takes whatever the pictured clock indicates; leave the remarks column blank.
7:17
